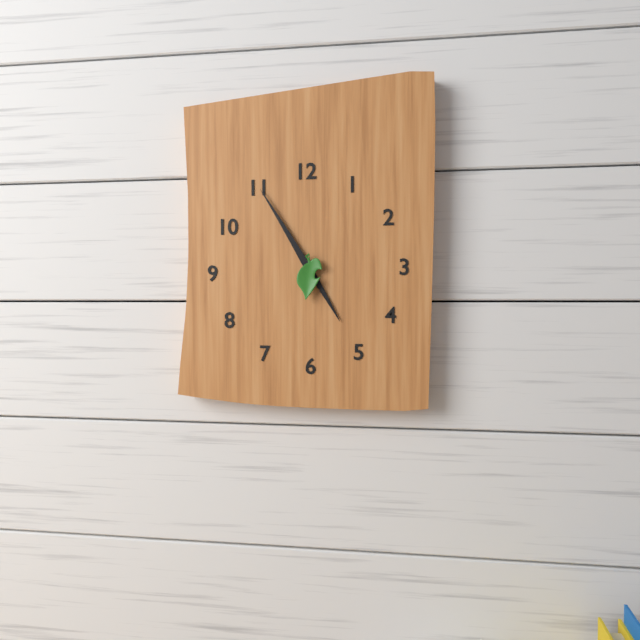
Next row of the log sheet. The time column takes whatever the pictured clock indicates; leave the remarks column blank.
4:55
